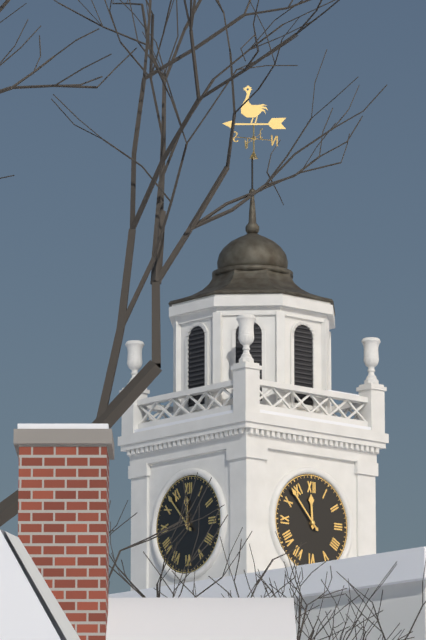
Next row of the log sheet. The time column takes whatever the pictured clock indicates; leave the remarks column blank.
11:53
